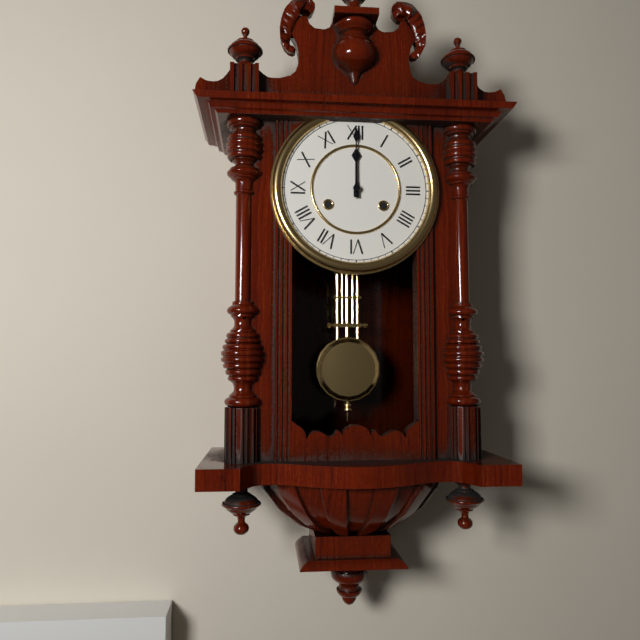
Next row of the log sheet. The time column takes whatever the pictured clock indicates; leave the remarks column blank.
12:00
